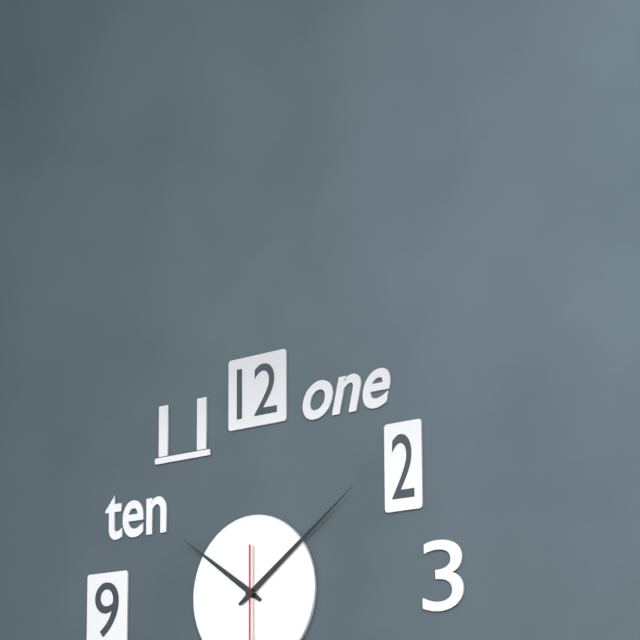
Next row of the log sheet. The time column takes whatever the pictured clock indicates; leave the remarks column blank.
10:09
